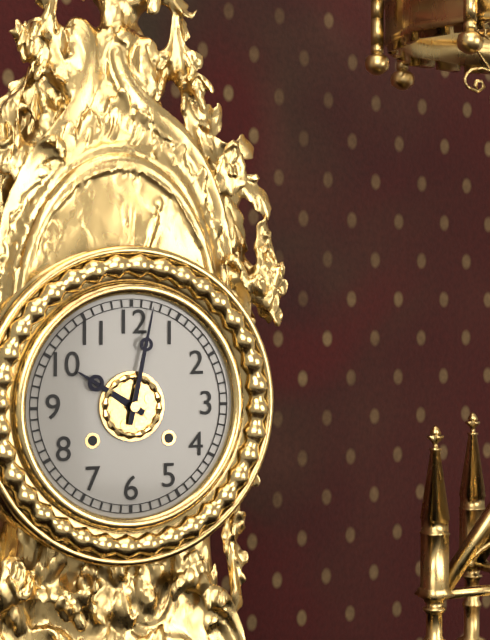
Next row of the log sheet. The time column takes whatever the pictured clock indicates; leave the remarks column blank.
10:02
